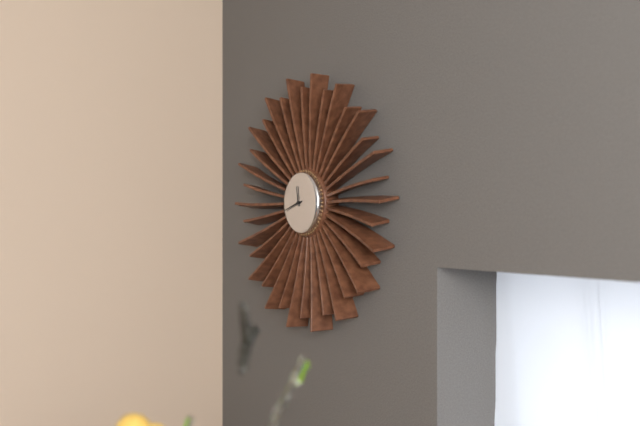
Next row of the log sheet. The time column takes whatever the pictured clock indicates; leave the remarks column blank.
11:42
